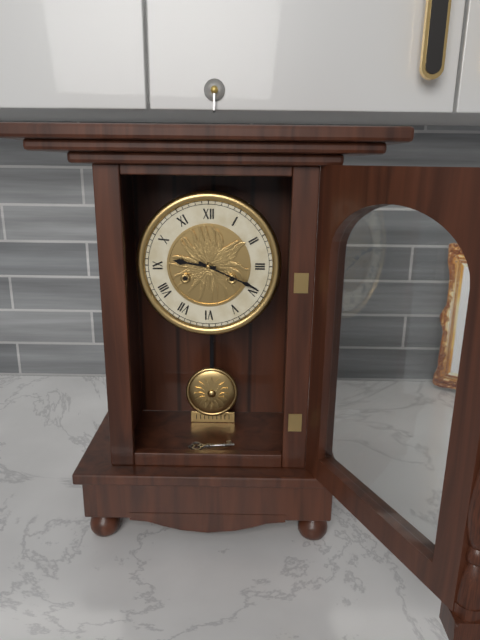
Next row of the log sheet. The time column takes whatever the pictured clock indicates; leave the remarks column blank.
9:19
